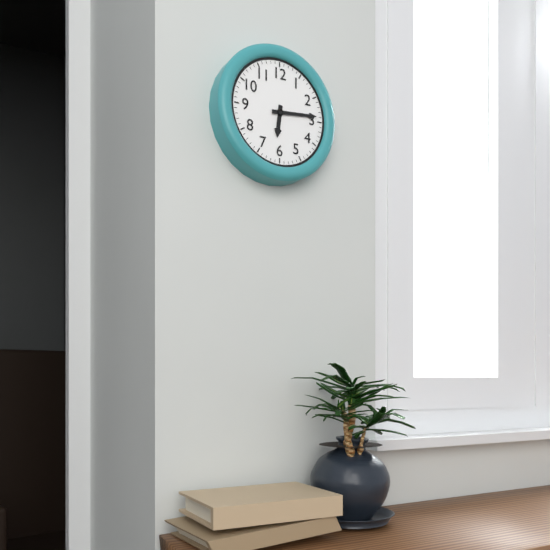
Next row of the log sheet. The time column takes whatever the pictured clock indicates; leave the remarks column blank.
6:14
